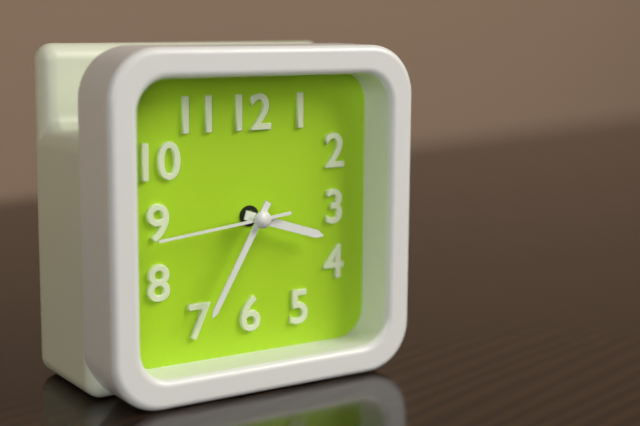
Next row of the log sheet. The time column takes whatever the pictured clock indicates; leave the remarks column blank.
3:35:44
